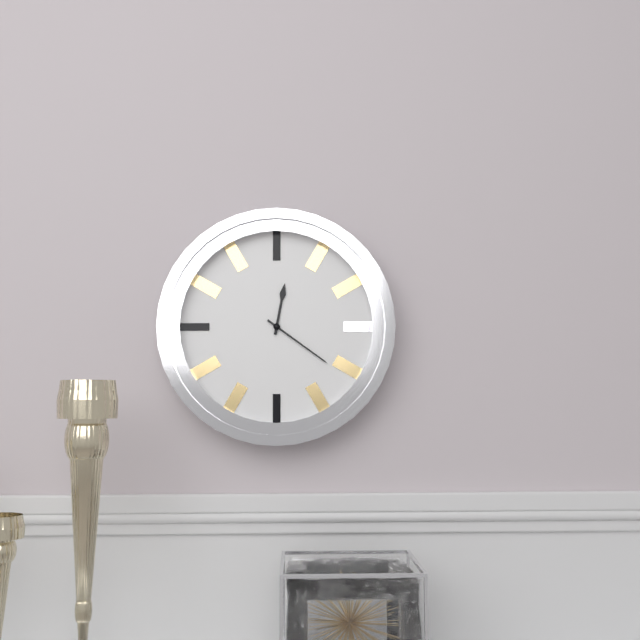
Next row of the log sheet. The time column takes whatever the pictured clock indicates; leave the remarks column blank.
12:21
